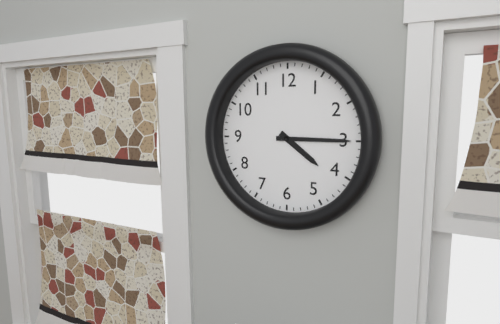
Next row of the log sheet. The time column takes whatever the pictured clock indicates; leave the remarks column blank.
4:15
